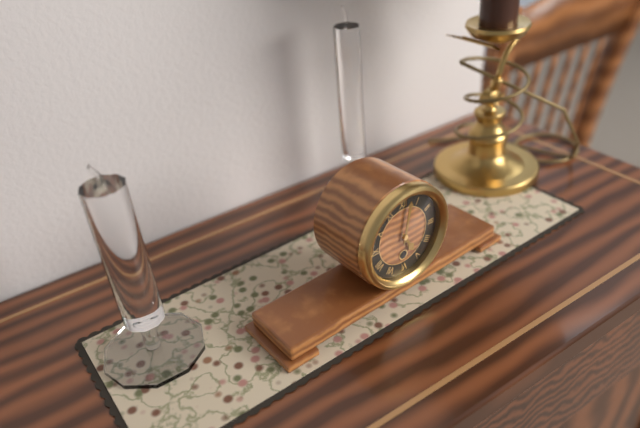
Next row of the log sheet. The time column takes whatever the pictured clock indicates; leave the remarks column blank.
5:02
